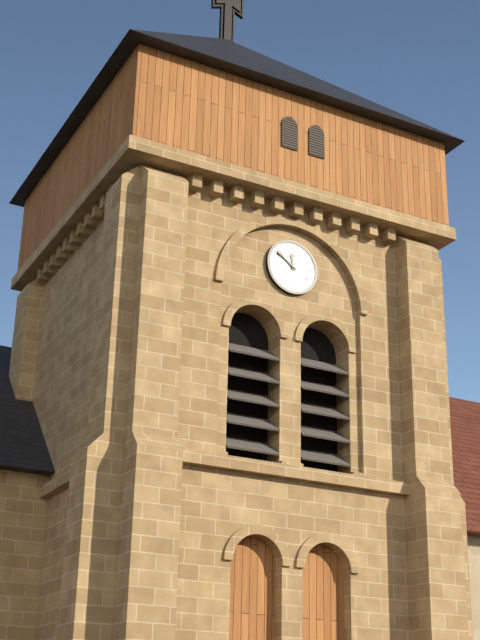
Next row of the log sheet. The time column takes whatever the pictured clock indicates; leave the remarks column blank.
11:51
